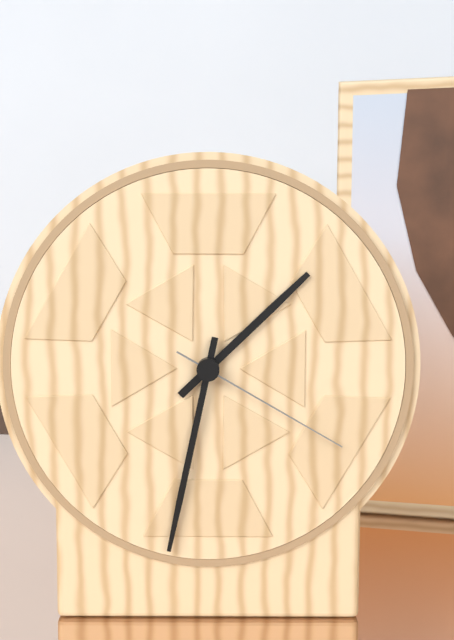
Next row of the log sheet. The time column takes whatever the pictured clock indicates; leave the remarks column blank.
1:32:20
